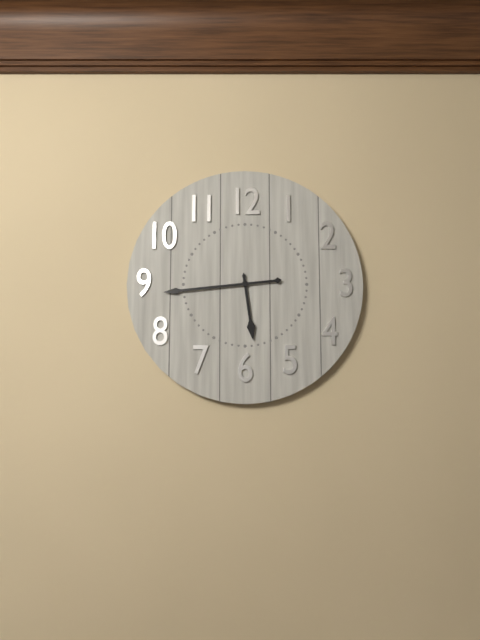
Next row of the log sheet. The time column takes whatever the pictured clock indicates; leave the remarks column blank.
5:44
